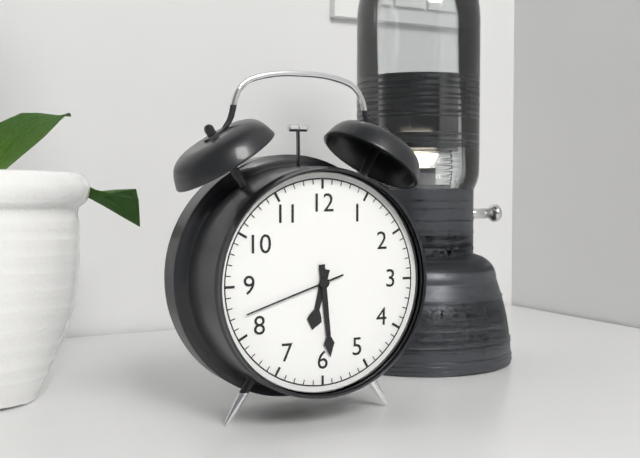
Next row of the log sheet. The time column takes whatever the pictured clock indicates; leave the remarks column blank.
6:29:42
